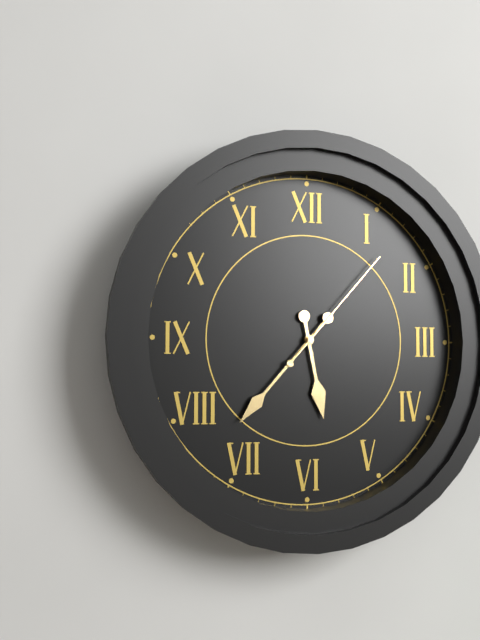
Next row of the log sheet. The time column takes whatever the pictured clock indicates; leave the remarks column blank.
5:37:07
